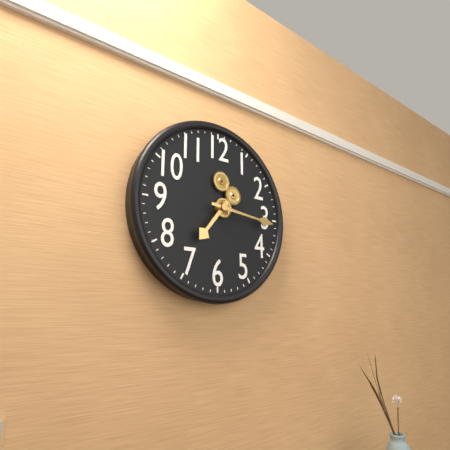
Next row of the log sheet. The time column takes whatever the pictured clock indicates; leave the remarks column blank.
7:16
